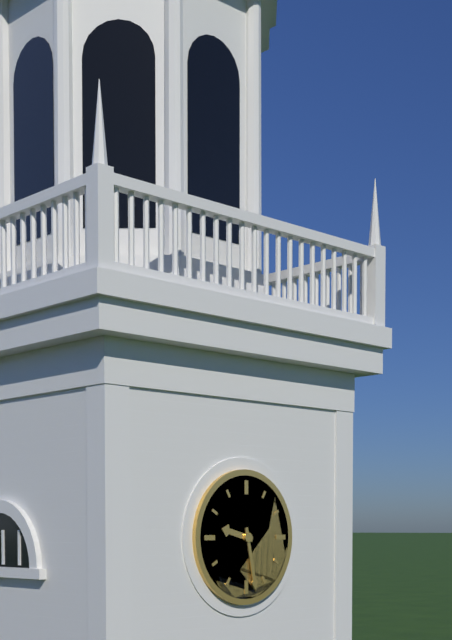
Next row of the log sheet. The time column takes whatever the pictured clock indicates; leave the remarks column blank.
9:28
